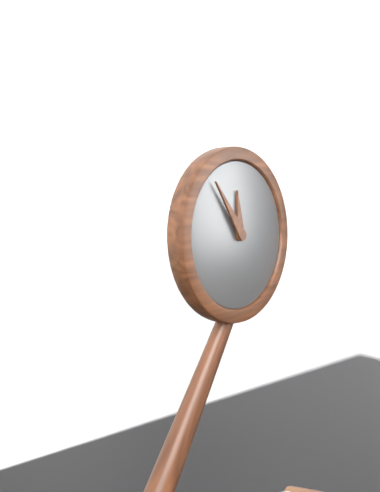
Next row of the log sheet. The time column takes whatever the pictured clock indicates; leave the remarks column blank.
11:54
